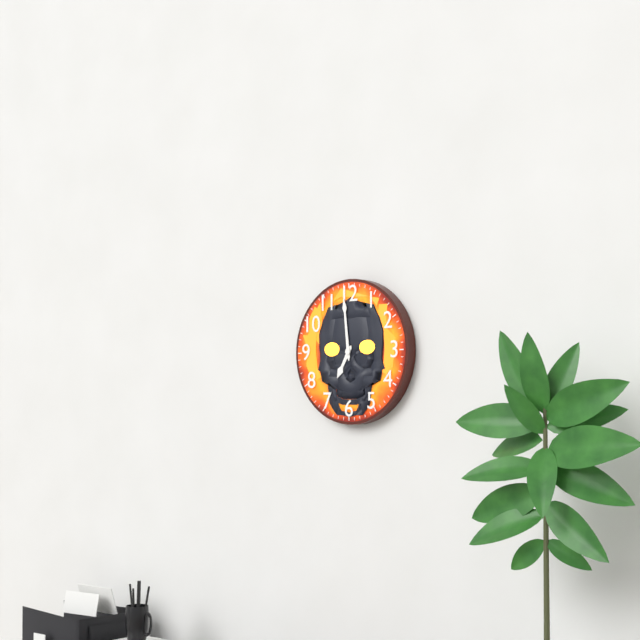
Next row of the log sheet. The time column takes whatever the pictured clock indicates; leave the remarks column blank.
6:59
